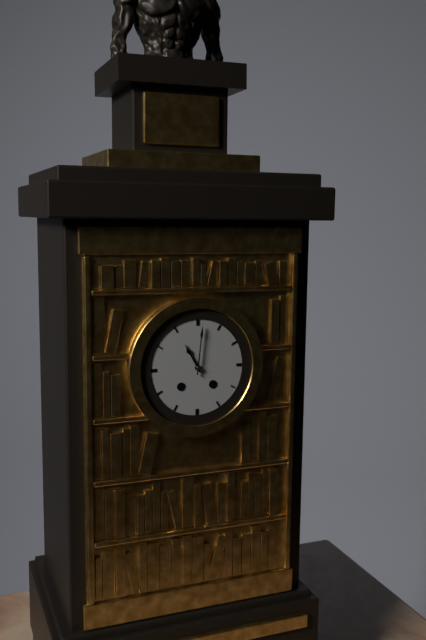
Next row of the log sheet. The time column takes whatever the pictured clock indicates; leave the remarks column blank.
11:01
